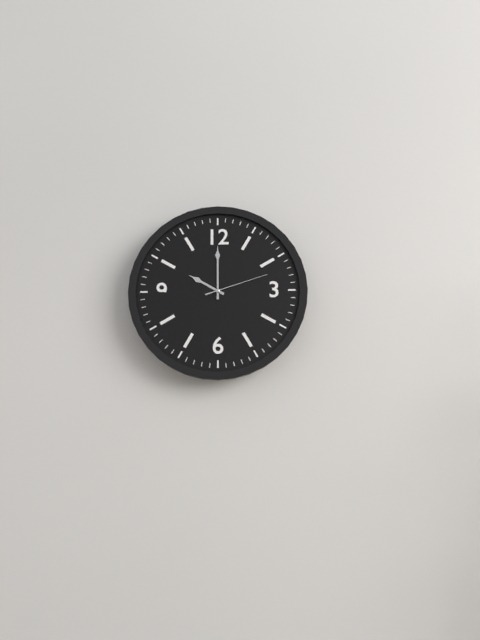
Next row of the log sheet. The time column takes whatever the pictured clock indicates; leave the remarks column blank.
10:00:12
